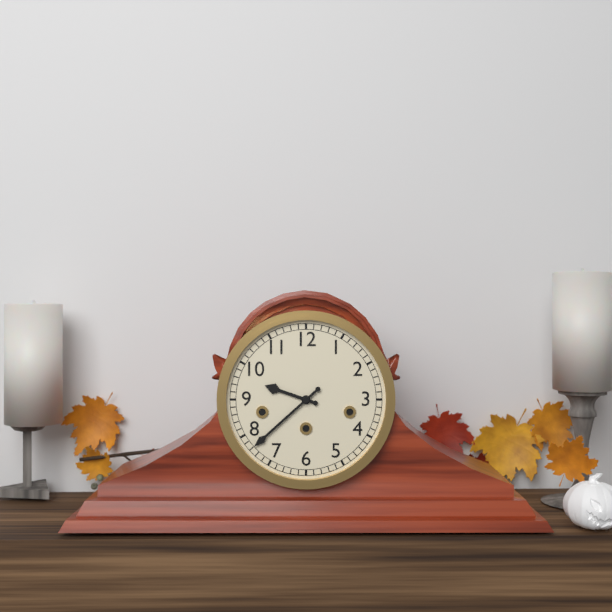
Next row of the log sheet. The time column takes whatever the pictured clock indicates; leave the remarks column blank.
9:38
